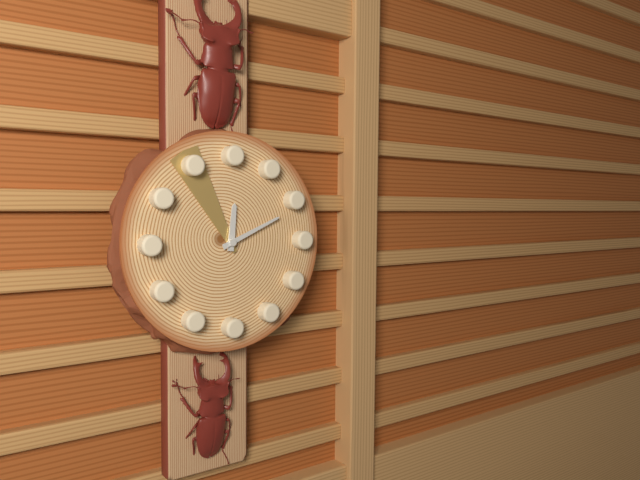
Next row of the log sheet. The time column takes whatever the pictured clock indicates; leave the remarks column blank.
12:11:55
